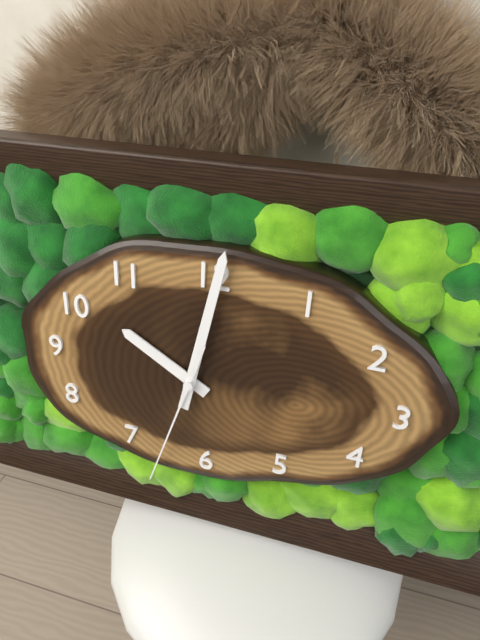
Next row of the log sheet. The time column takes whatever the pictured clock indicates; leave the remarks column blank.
10:02:33
